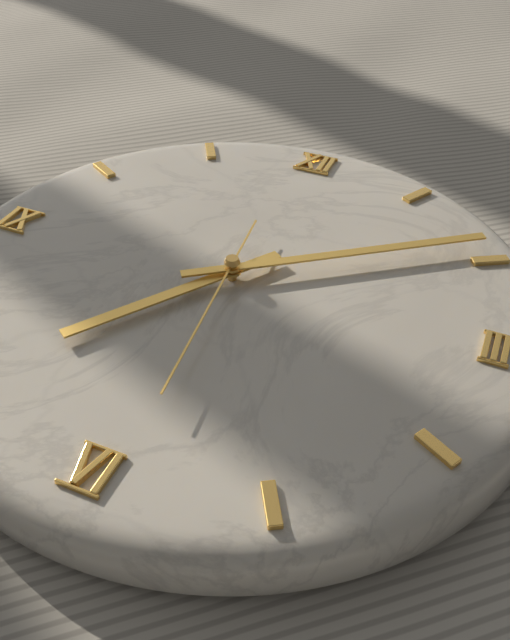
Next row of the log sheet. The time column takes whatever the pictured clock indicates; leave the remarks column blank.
7:09:29
